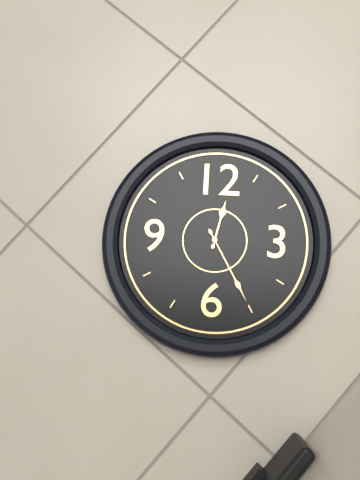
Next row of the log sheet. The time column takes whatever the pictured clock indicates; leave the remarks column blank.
12:25
